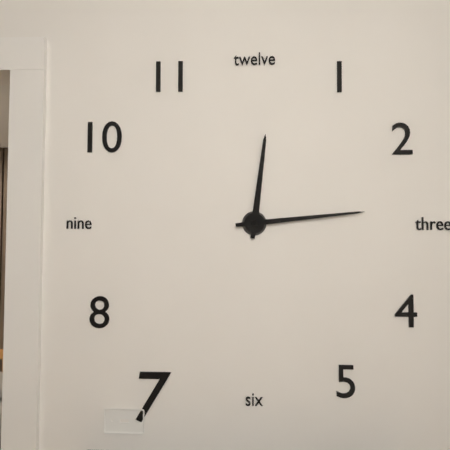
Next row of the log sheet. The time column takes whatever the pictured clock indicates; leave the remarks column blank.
12:14
